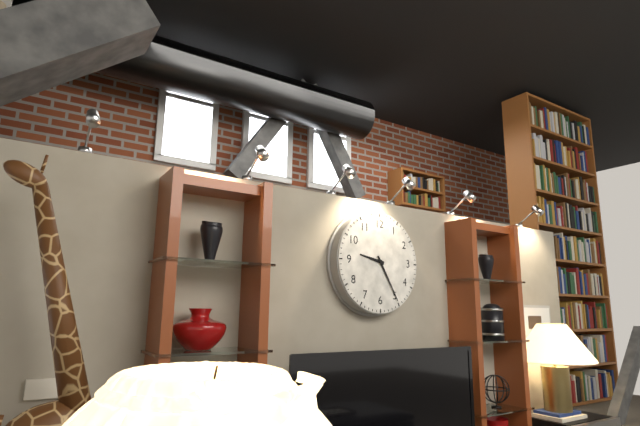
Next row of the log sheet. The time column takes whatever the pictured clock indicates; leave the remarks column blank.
9:25
